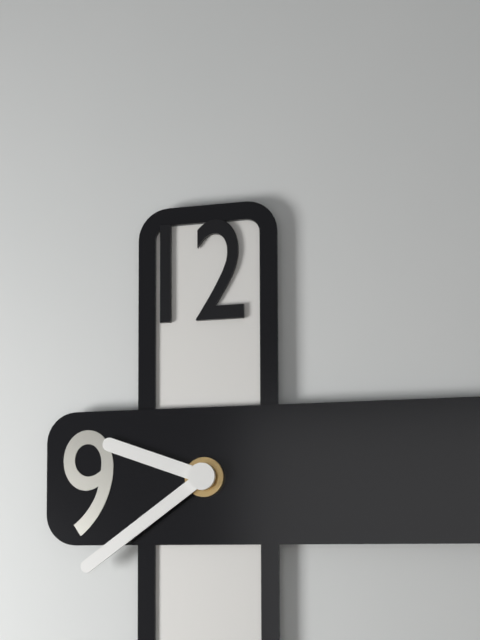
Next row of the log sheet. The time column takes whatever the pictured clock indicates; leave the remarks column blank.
9:39
